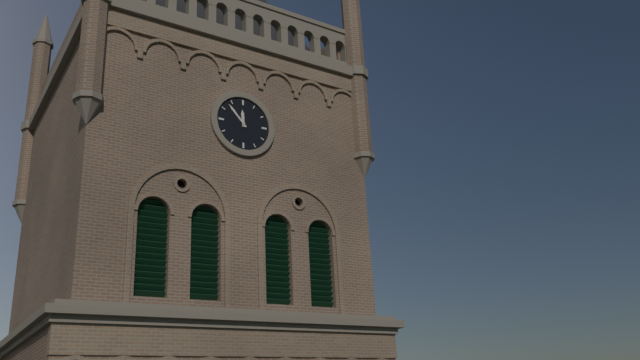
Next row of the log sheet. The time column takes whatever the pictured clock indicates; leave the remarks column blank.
11:53
